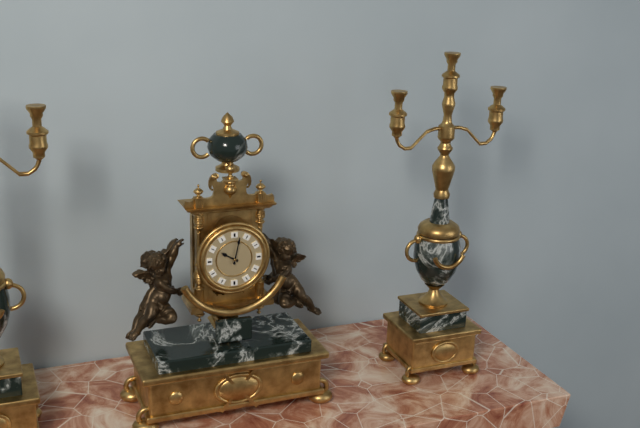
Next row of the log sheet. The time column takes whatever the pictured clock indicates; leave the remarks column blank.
10:02
